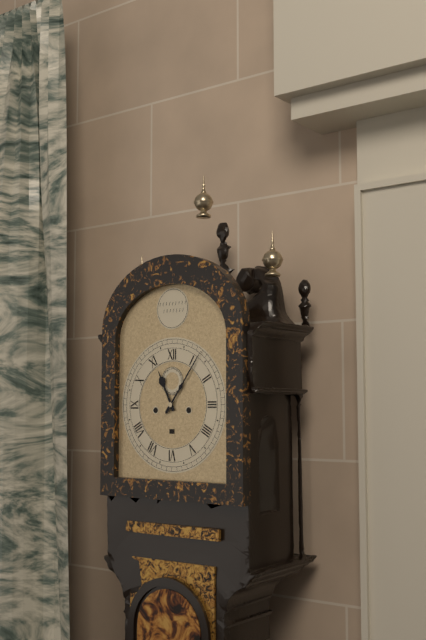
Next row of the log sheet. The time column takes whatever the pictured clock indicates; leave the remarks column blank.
11:06
